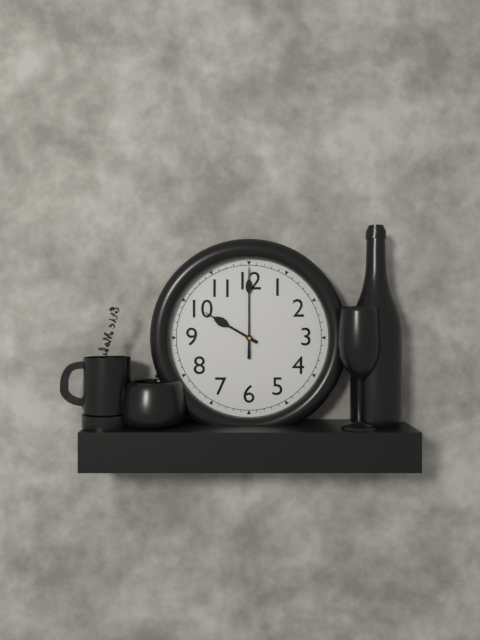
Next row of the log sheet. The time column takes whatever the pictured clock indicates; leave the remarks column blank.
10:00
